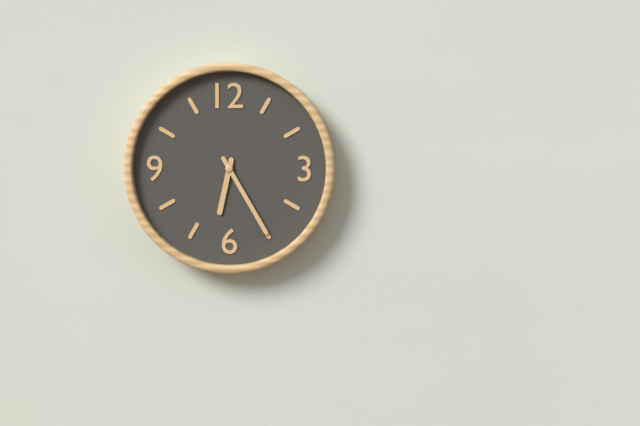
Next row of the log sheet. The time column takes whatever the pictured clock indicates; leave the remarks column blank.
6:25
